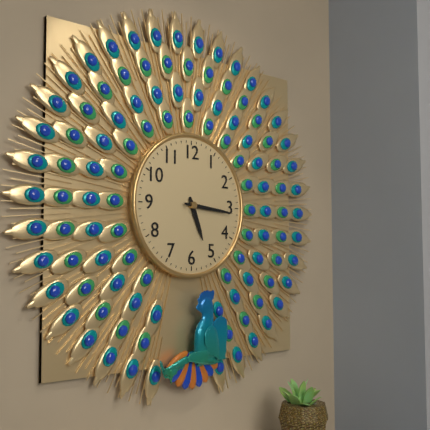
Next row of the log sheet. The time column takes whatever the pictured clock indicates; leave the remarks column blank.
5:16
